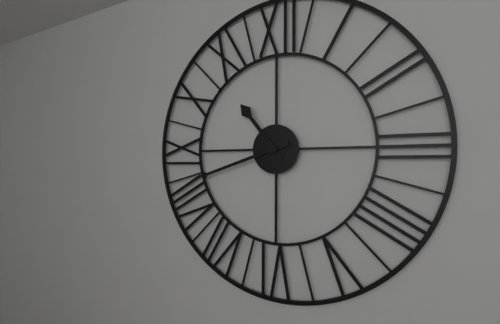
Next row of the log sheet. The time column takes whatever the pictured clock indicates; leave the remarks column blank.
10:42
